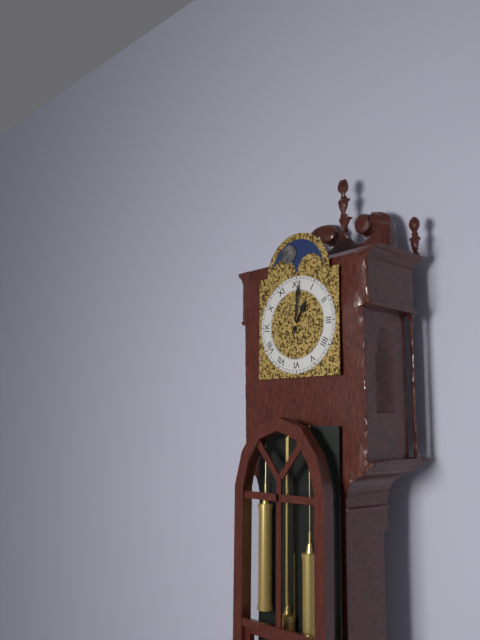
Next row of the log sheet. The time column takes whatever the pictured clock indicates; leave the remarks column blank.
1:01
